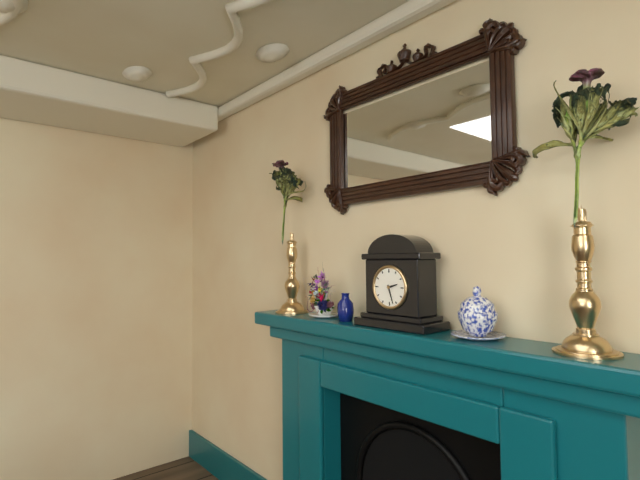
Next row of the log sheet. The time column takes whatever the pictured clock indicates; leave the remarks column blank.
2:27
